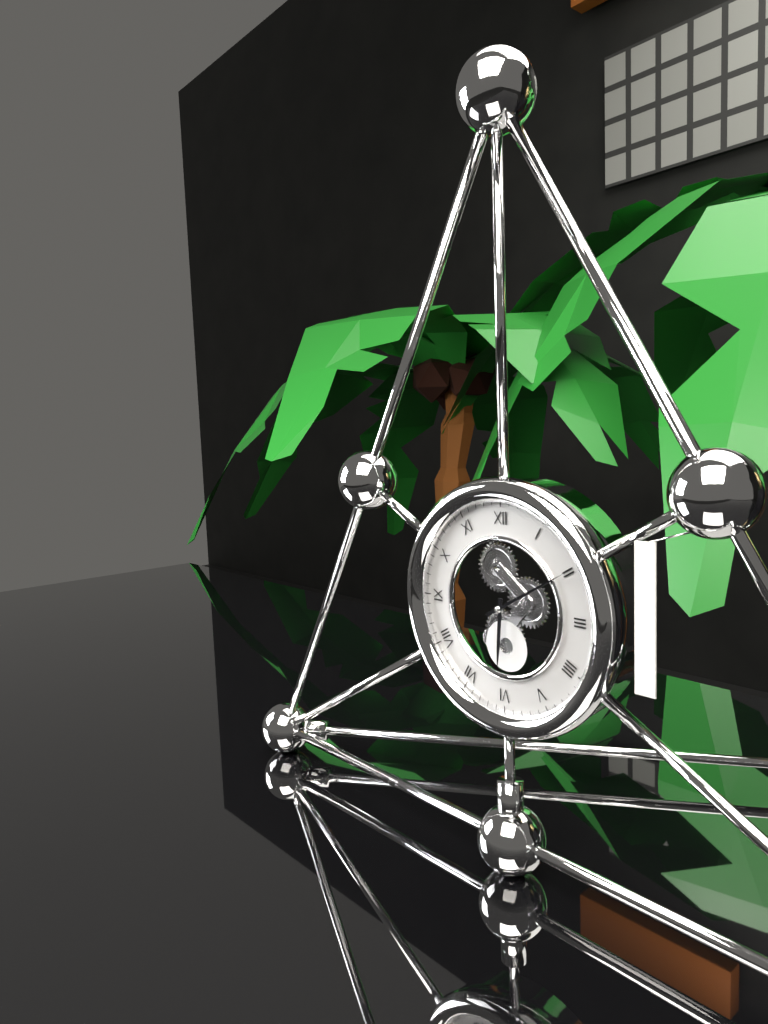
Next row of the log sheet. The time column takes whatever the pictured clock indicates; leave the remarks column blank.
6:10
